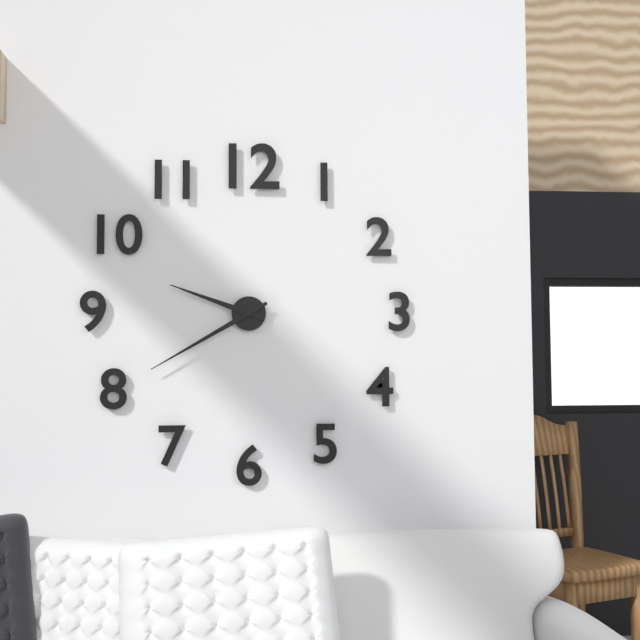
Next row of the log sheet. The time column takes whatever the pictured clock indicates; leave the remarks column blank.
9:40
